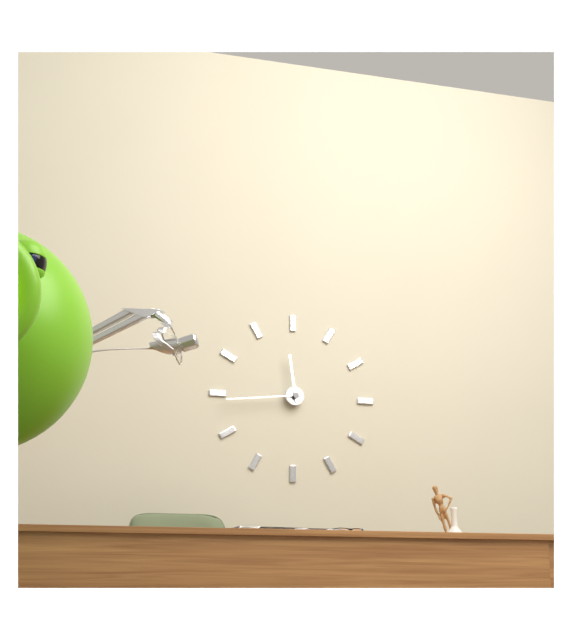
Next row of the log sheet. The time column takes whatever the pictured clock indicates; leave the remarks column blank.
11:44
